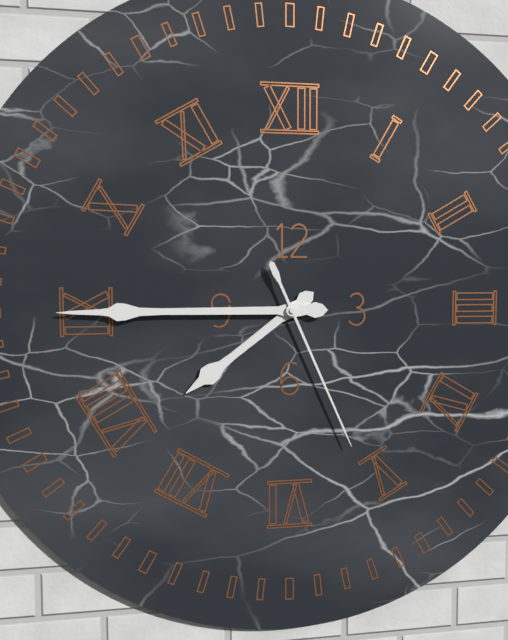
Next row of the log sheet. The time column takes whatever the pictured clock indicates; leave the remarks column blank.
7:45:26
